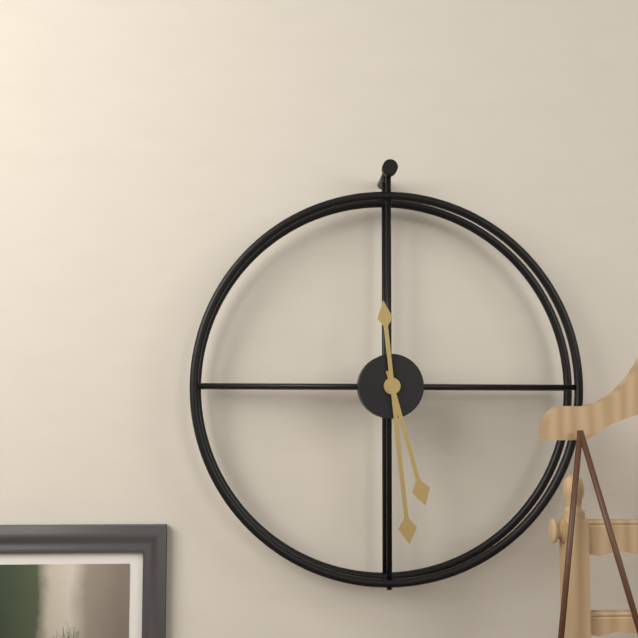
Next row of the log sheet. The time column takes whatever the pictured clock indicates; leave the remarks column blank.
5:29
